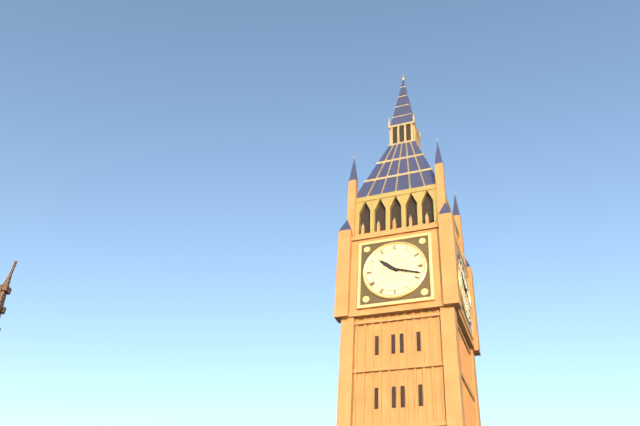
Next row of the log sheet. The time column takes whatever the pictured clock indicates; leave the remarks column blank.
10:18
